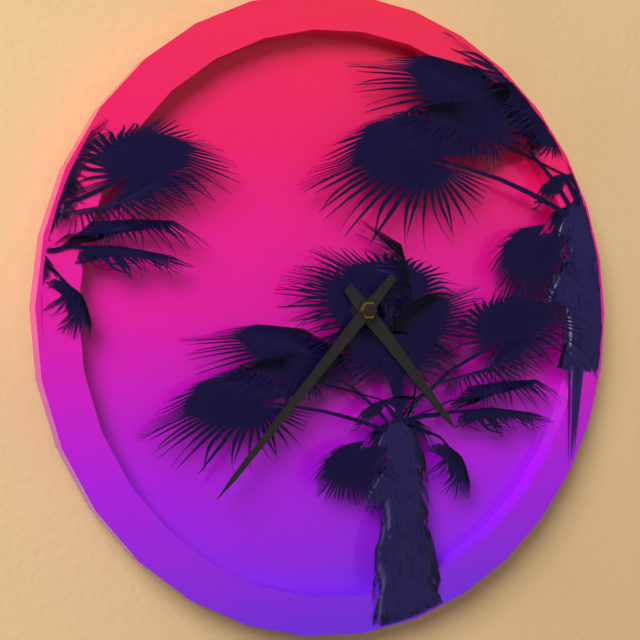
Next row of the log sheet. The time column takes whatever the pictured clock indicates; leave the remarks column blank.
4:37
